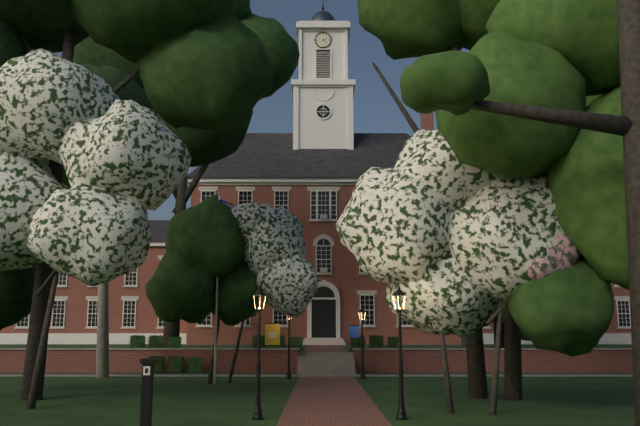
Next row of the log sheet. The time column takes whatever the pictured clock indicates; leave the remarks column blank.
4:10
